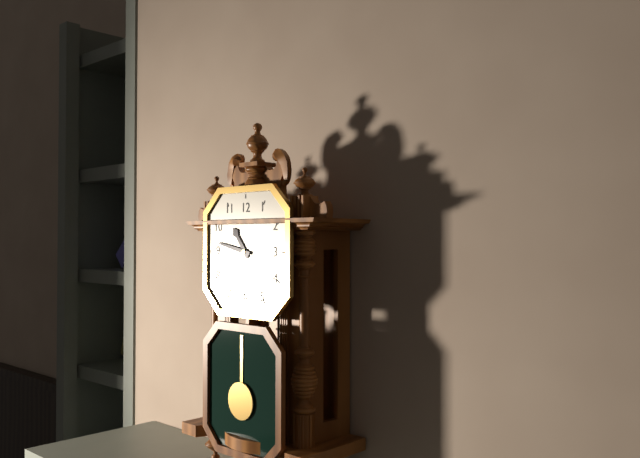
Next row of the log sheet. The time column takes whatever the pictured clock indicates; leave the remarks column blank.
10:47
